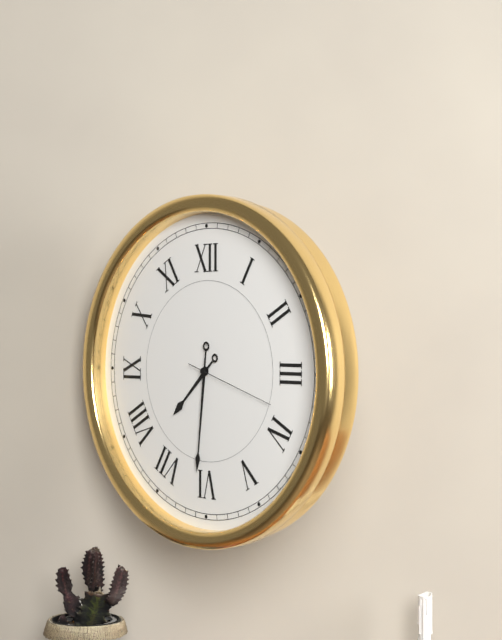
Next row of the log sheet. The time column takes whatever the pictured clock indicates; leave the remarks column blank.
7:31:18
